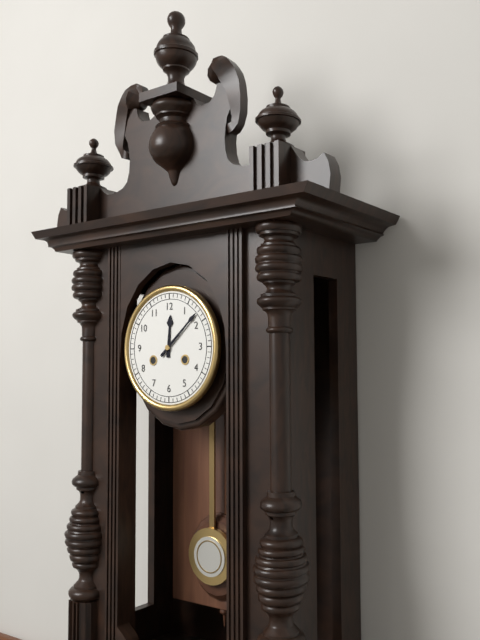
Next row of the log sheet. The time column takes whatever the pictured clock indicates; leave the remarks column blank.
12:08
